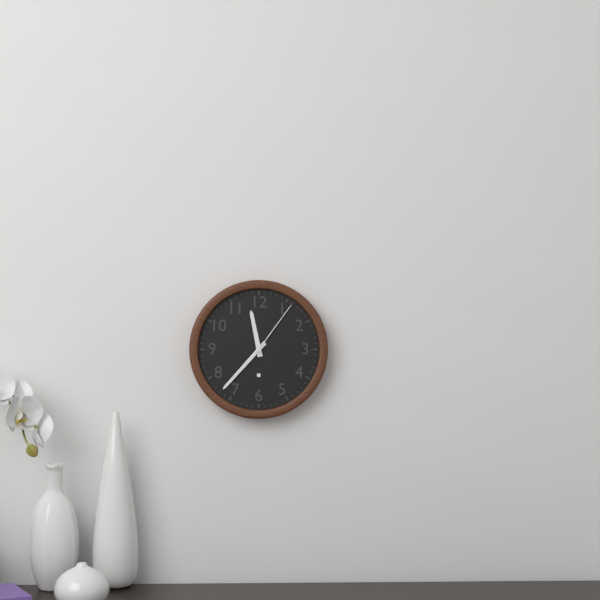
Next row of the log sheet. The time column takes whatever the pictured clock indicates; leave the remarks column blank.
11:37:06
